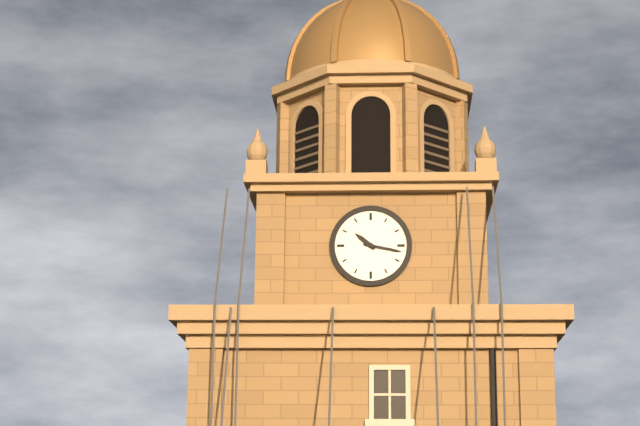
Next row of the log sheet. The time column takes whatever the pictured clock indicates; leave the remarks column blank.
10:17
